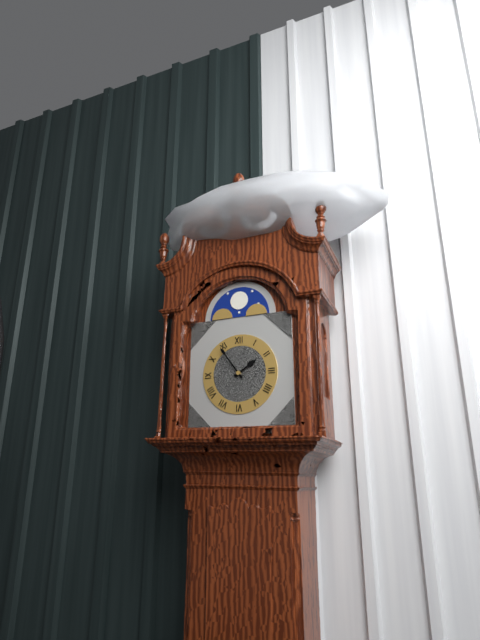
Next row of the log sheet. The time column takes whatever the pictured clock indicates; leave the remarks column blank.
1:54
